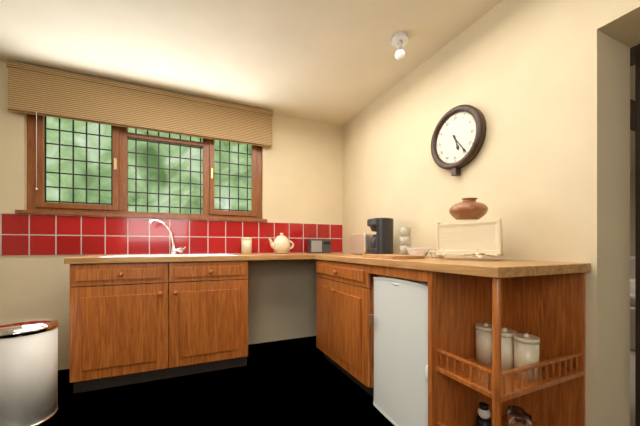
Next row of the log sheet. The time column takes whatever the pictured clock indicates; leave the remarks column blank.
5:24
